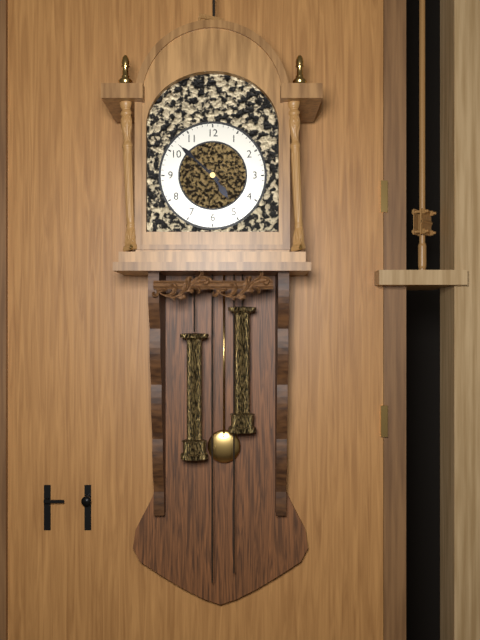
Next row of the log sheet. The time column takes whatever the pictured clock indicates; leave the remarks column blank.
4:52
